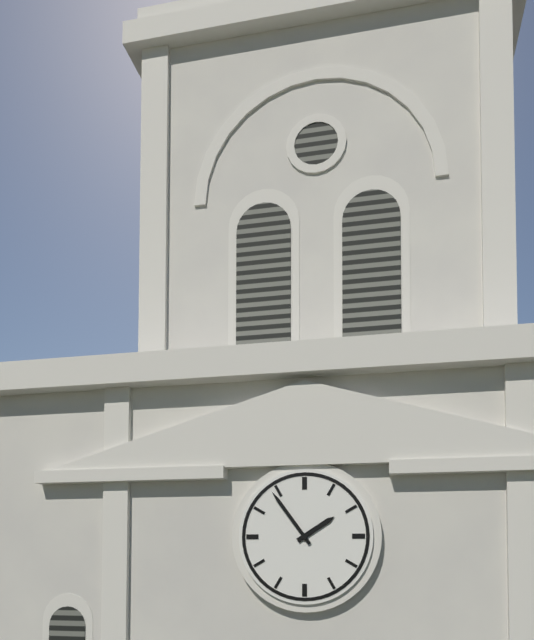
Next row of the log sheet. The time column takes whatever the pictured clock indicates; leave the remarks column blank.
1:54
